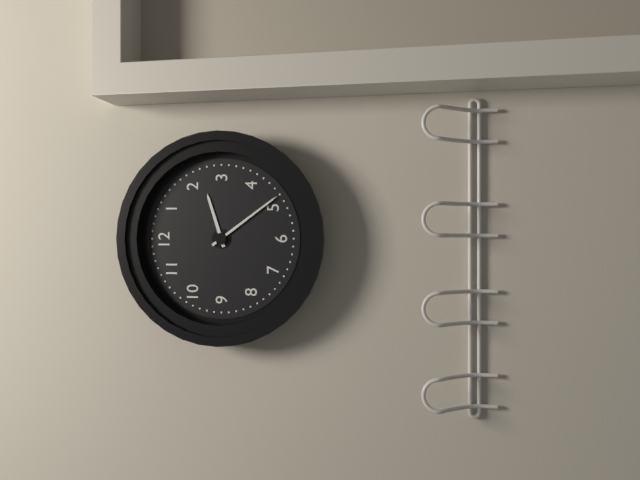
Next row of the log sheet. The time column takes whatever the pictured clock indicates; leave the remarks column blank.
2:24
